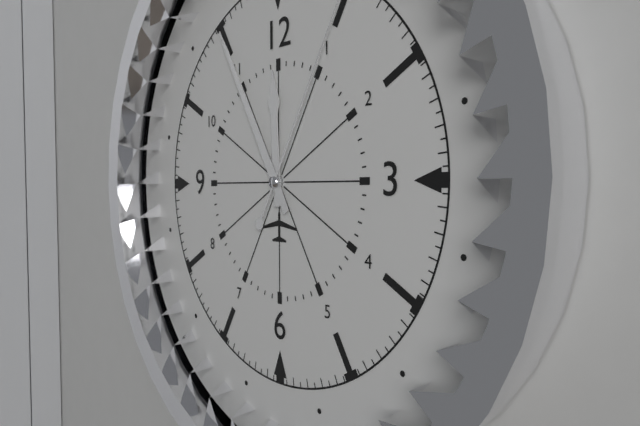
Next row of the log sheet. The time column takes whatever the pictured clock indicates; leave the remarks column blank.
11:55
